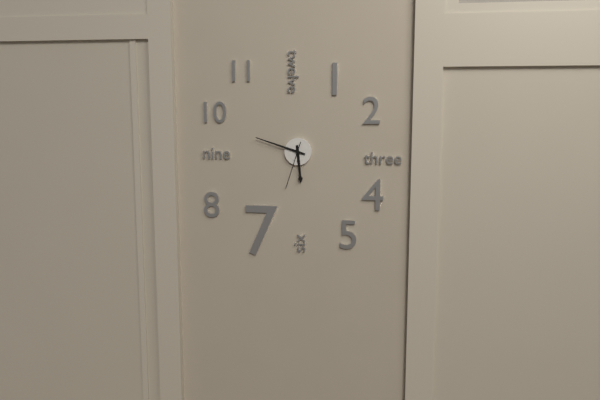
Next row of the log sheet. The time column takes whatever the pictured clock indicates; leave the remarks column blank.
5:48
